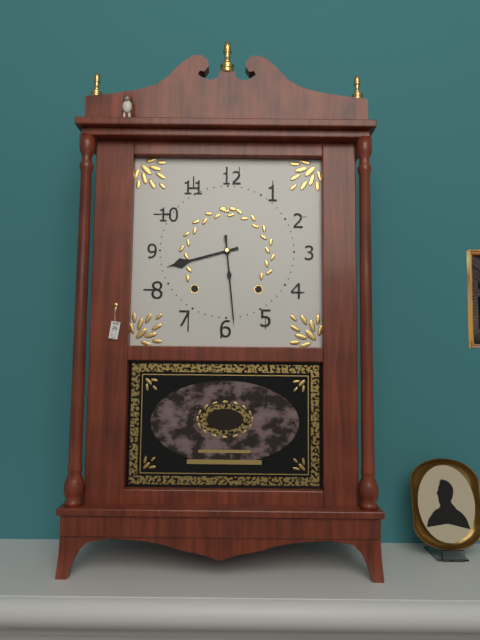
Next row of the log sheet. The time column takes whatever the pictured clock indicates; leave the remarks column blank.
8:29
